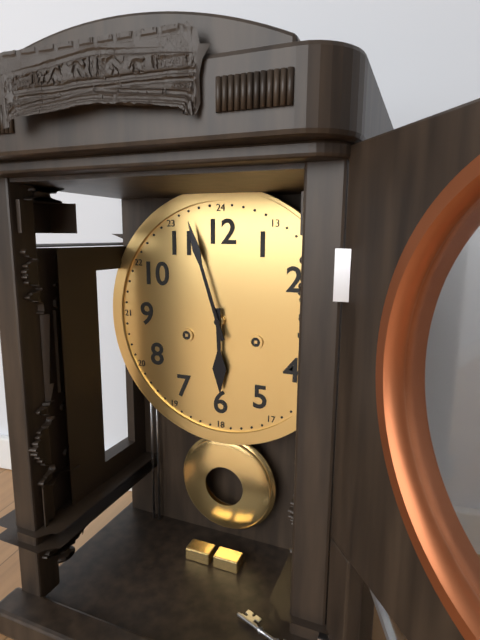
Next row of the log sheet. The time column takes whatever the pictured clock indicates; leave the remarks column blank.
5:57
